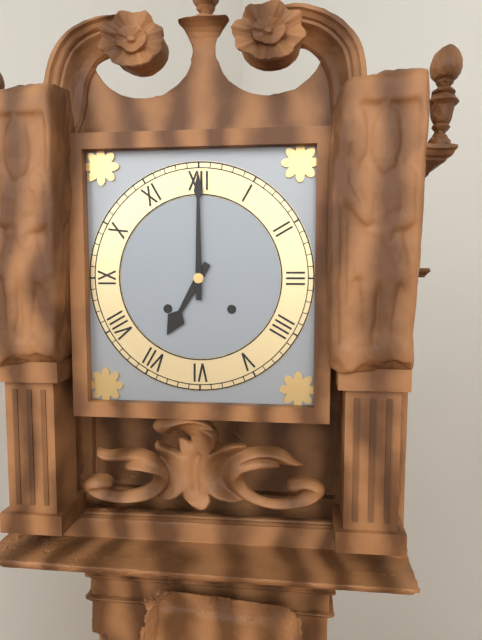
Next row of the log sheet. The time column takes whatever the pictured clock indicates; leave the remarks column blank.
7:00
